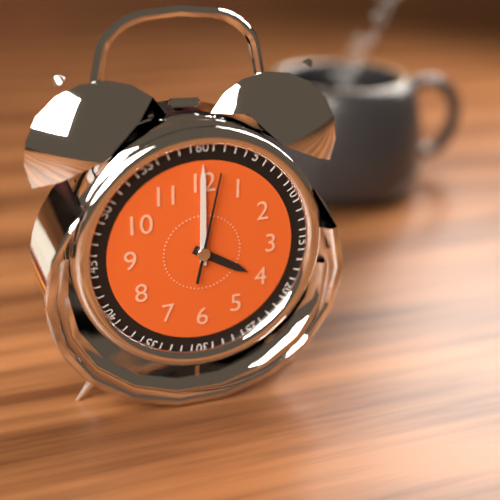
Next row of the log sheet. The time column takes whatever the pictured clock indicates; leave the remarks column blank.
4:00:02
